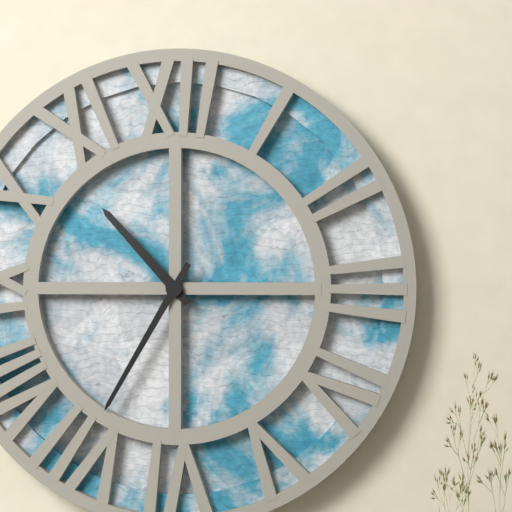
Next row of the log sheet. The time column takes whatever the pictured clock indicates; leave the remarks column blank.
10:35
